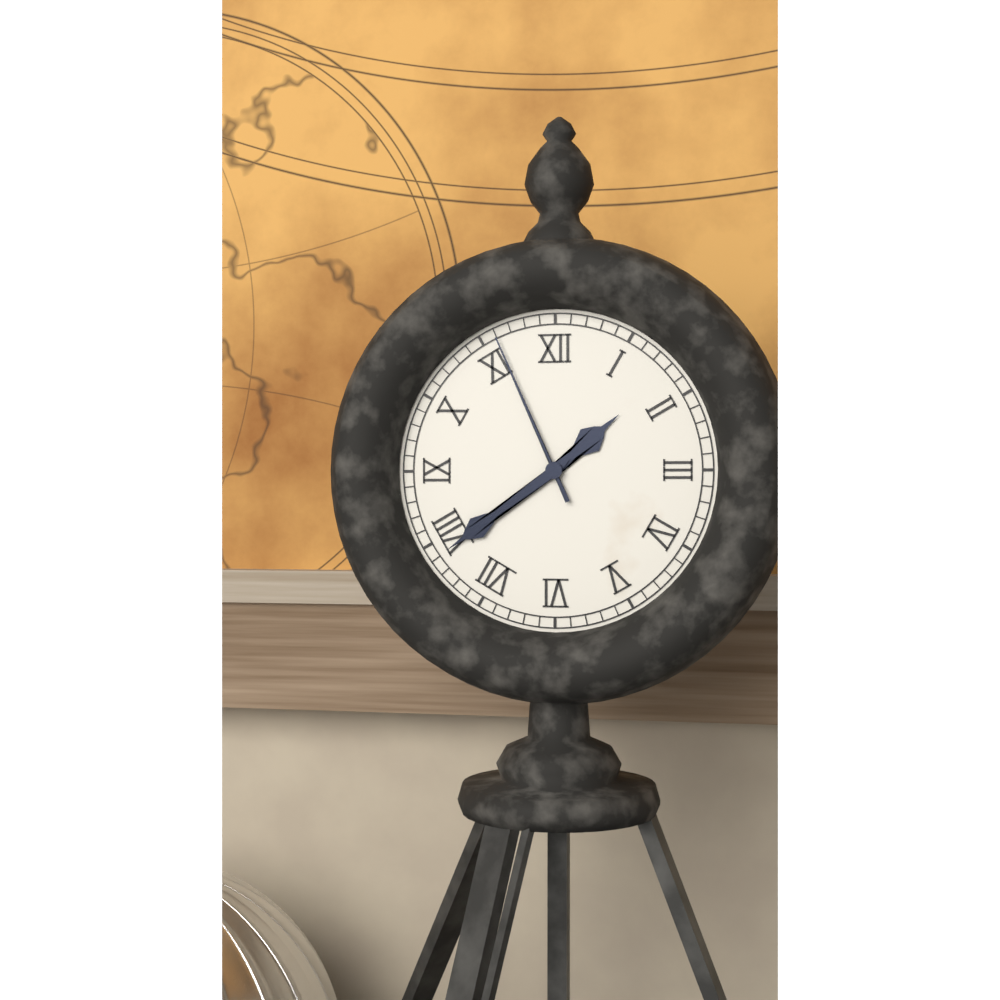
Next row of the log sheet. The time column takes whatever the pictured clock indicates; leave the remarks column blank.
1:39:56
